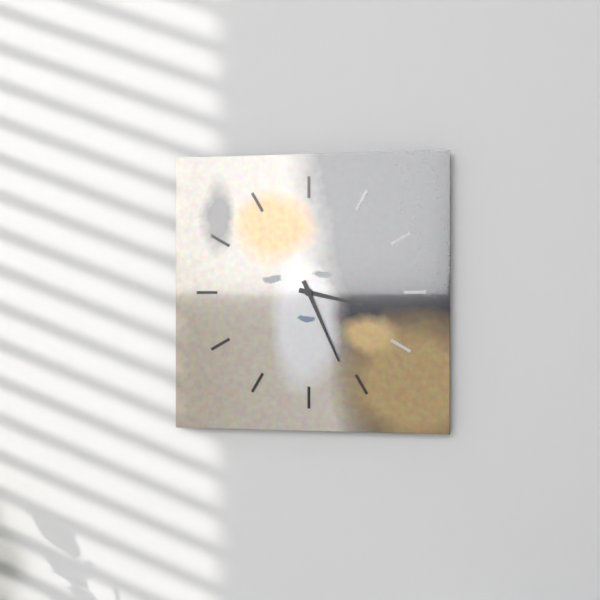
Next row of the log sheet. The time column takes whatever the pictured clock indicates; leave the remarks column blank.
3:26
